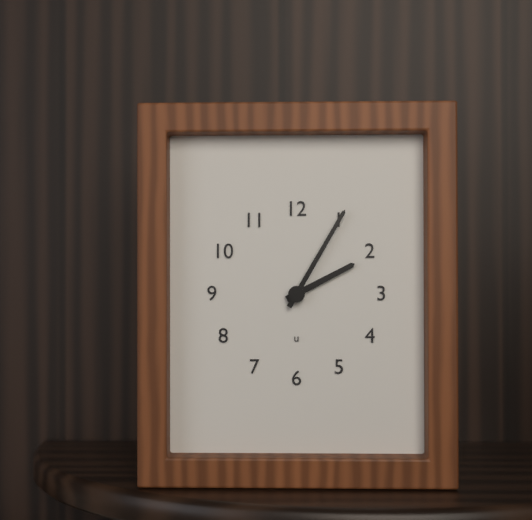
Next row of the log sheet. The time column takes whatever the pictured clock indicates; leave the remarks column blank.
2:05
